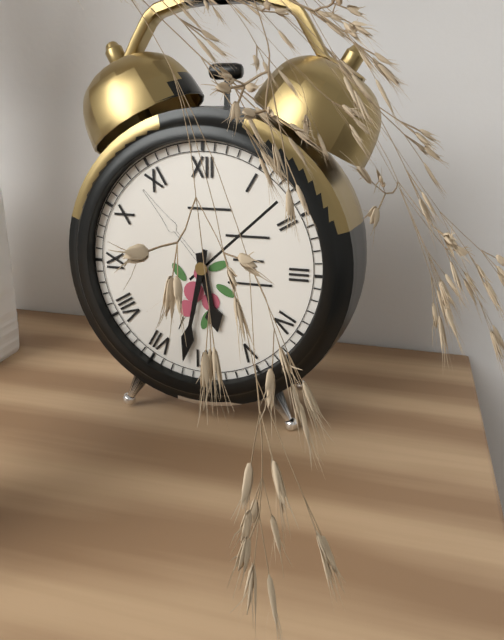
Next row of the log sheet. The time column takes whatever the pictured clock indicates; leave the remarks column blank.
5:32
